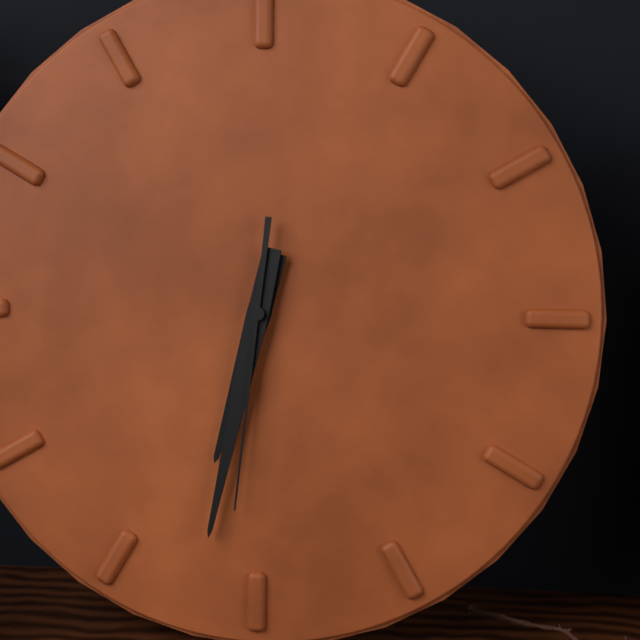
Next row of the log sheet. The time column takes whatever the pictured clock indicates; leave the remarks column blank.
6:32:31
